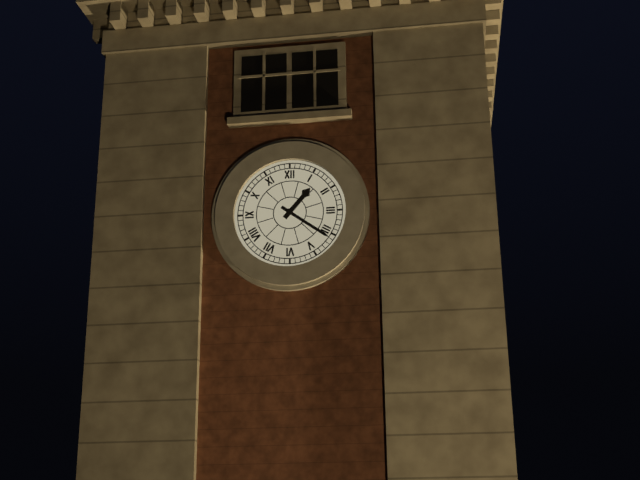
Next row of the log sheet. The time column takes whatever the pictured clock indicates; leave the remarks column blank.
1:21
